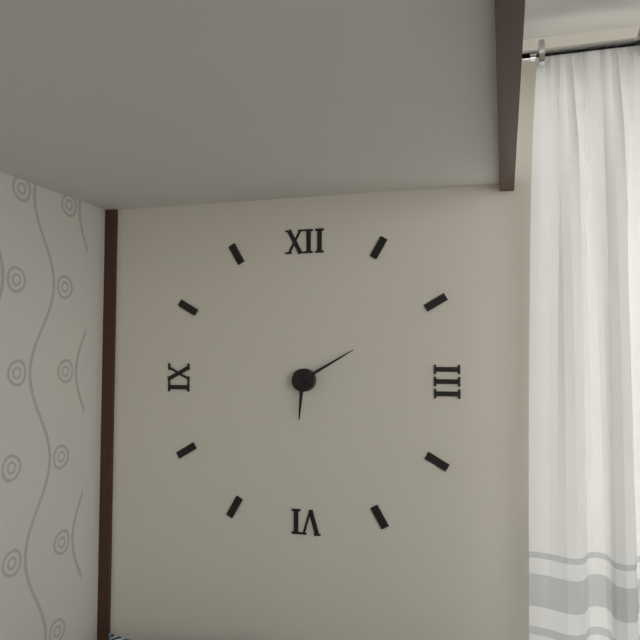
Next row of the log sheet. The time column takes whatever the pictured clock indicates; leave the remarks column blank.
6:10
